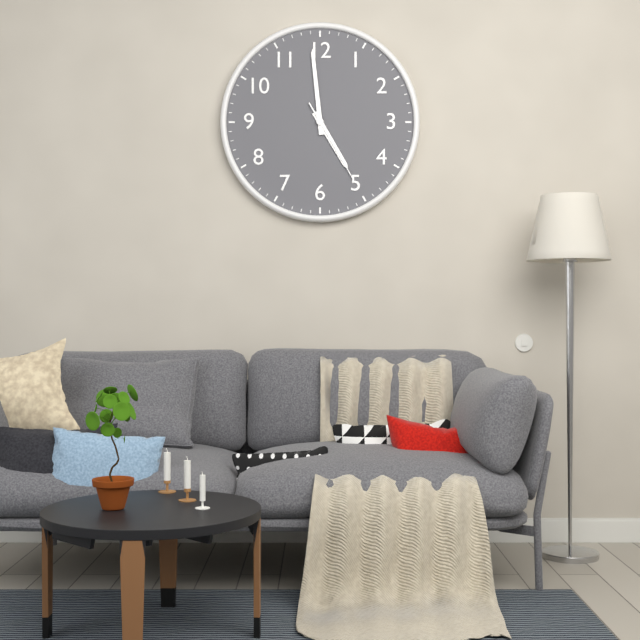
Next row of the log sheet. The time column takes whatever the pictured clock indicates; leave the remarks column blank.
4:59:25
